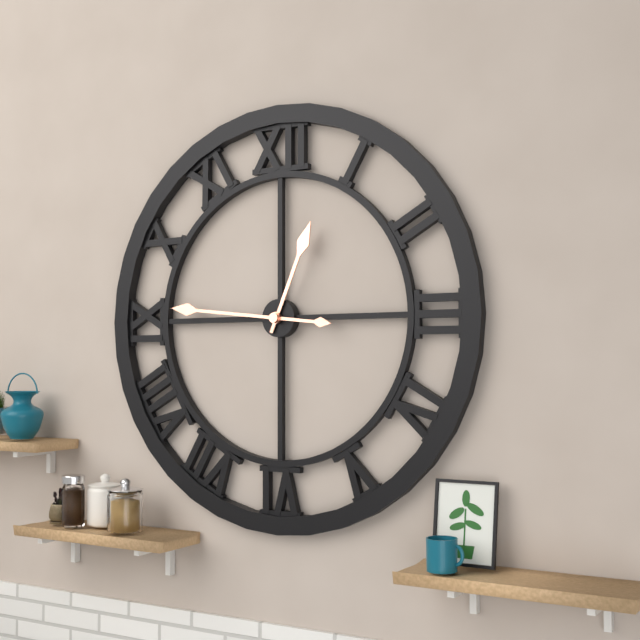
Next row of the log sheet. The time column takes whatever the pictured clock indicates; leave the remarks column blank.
12:46
